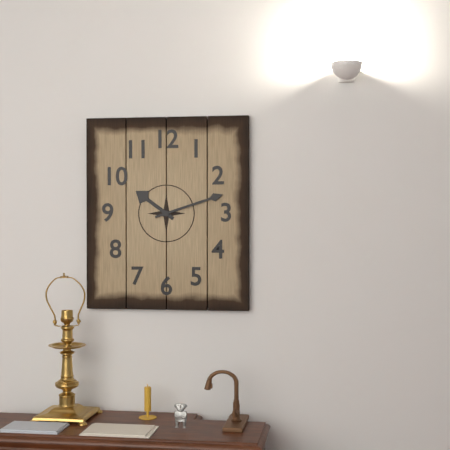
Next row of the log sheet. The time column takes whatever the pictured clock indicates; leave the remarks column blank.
10:12
